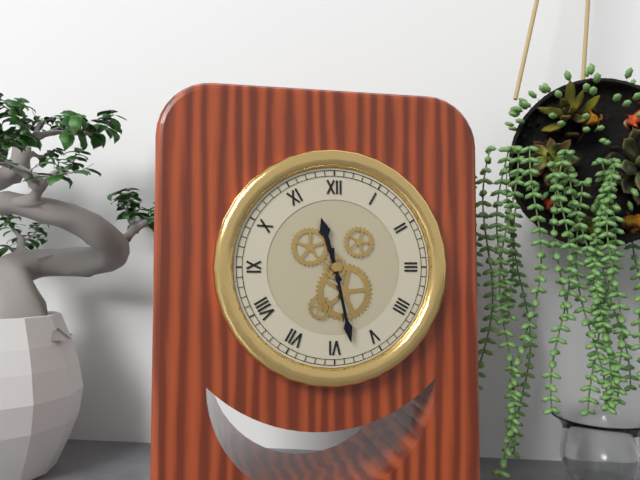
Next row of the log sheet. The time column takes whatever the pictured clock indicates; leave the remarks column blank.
11:28
